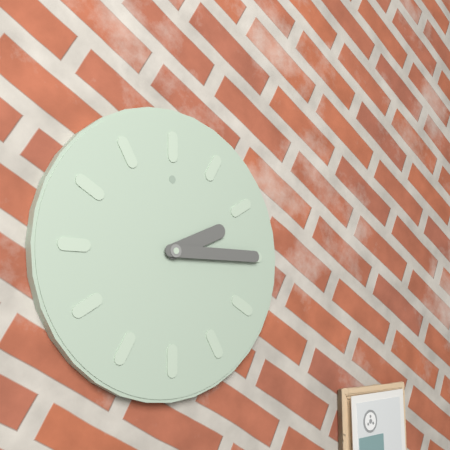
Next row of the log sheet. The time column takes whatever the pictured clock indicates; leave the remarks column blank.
2:15
